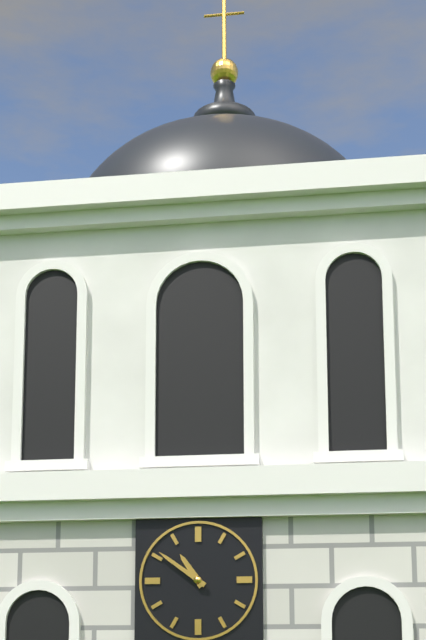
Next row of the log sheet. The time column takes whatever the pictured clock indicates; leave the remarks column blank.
10:51
